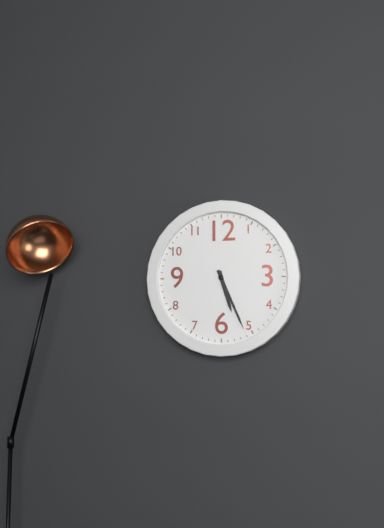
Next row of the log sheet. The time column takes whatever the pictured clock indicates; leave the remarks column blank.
5:26
